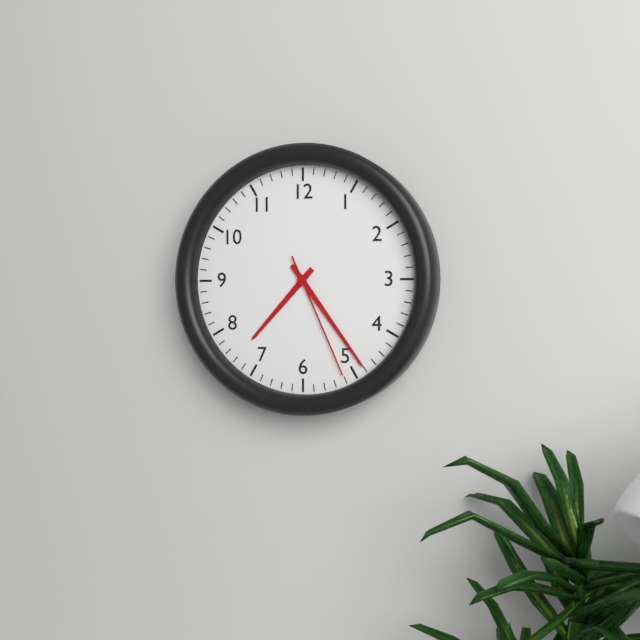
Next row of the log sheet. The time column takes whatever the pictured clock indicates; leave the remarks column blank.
7:24:26
